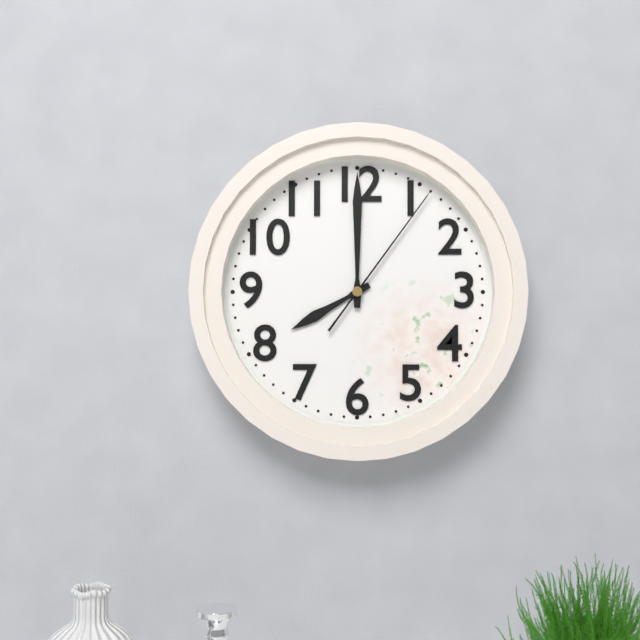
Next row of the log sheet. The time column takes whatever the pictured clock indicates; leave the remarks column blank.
8:00:06
